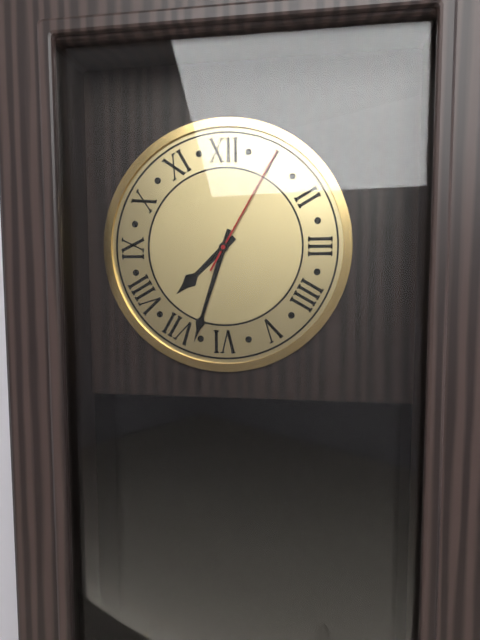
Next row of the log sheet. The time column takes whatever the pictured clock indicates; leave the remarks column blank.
7:33:05
